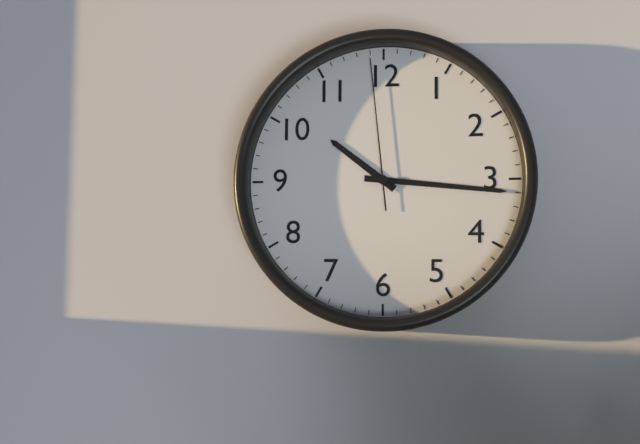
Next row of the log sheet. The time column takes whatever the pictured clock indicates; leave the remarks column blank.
10:16:59
